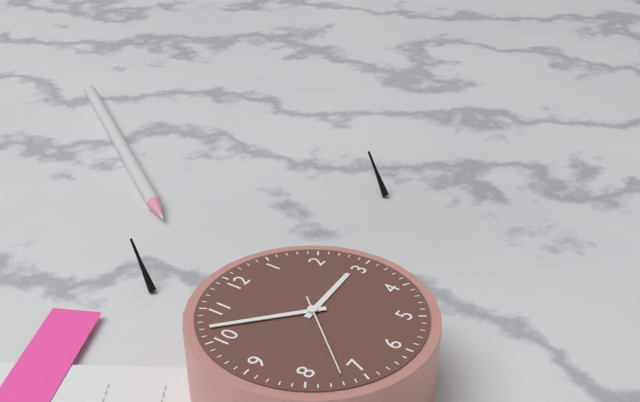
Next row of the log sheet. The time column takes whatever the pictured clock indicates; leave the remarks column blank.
2:52:37
